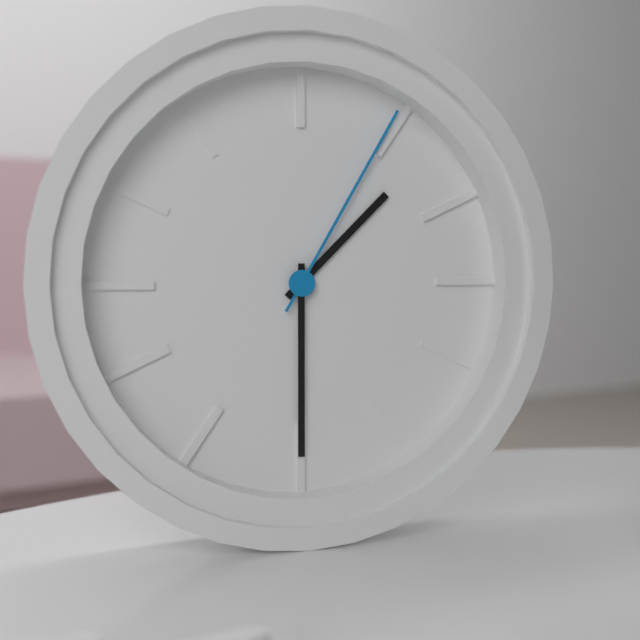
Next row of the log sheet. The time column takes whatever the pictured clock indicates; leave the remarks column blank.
1:30:05
